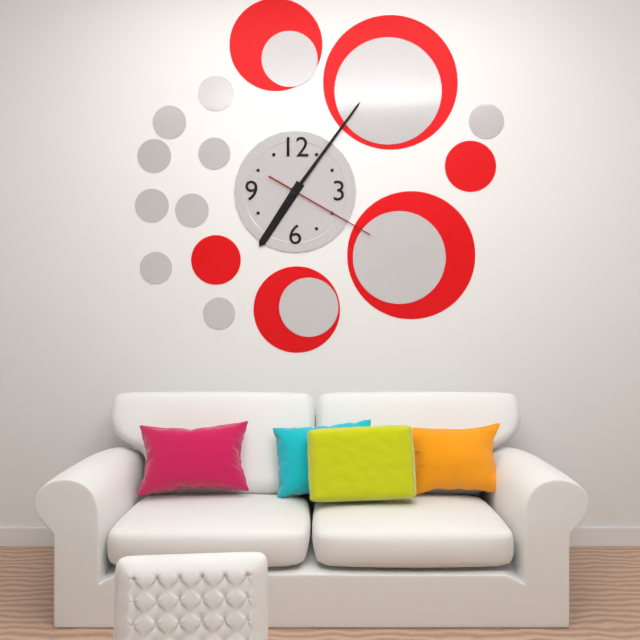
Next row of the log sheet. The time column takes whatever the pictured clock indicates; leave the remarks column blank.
7:06:20
